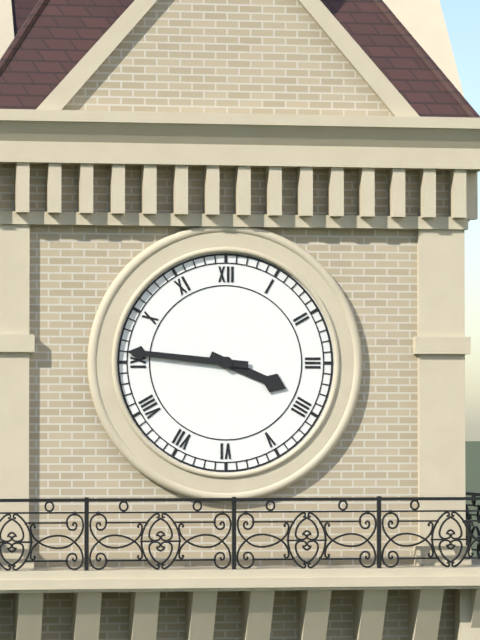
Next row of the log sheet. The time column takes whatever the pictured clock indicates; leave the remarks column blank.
3:46
